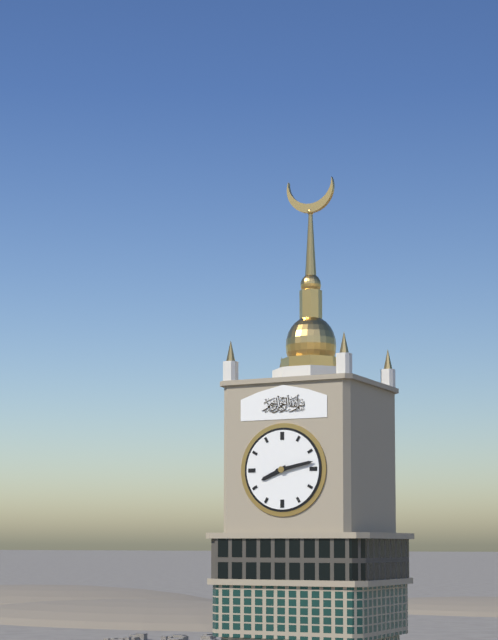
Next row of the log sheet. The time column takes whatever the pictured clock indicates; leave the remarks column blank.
8:13
